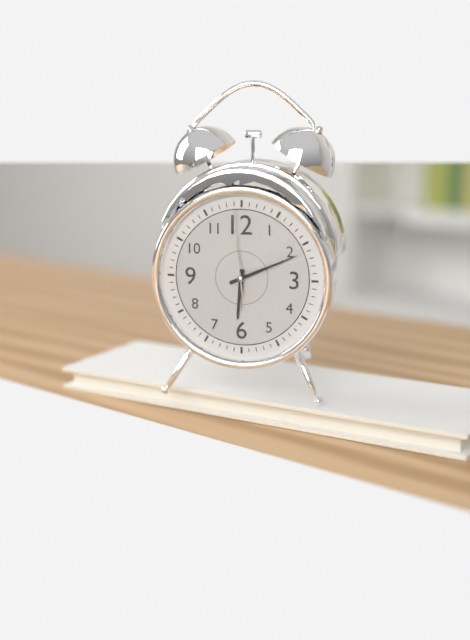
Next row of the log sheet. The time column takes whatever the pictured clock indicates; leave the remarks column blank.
6:11:59
